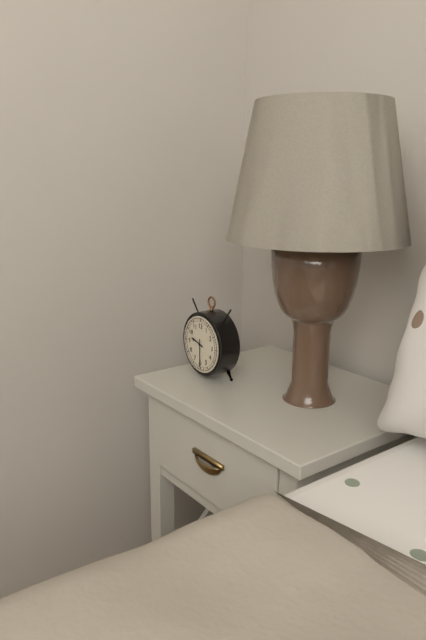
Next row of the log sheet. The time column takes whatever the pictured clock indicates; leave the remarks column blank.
9:30
